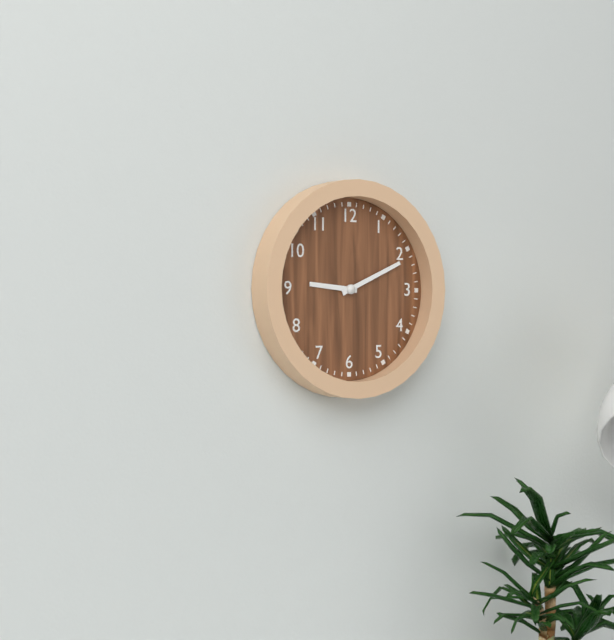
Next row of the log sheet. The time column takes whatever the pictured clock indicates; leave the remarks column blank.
9:11
